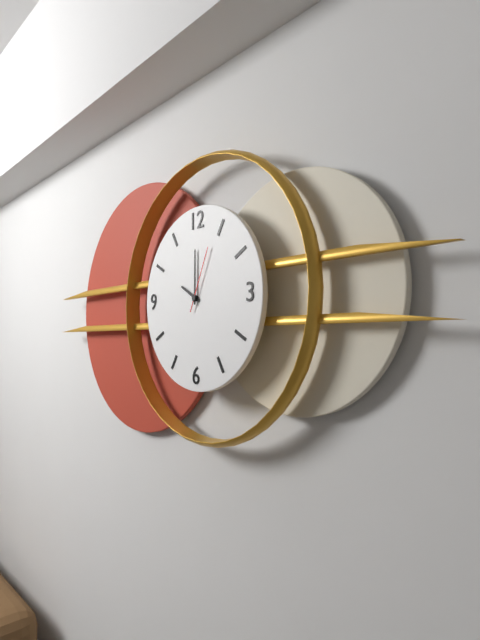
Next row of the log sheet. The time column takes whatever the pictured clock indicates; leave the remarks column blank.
10:00:04
